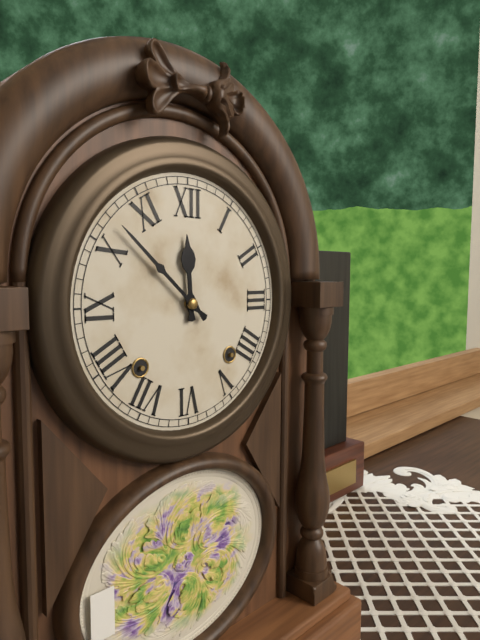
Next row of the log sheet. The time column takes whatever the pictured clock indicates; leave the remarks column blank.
11:52
